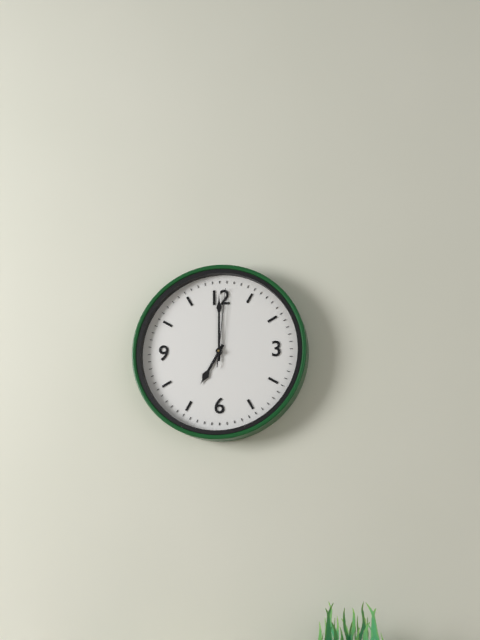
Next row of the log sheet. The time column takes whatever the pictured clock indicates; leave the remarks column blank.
7:00:01
